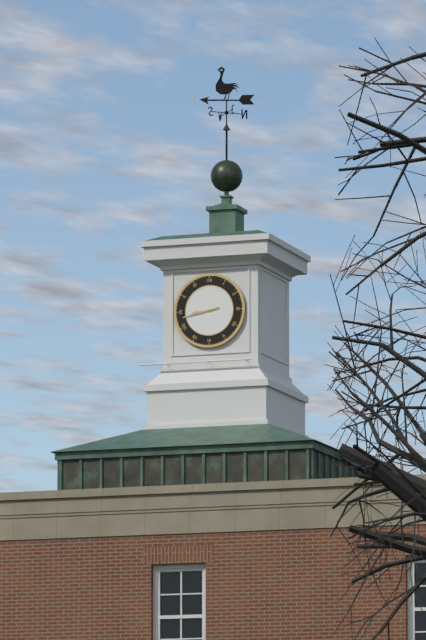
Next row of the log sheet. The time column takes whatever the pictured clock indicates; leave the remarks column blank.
8:43
